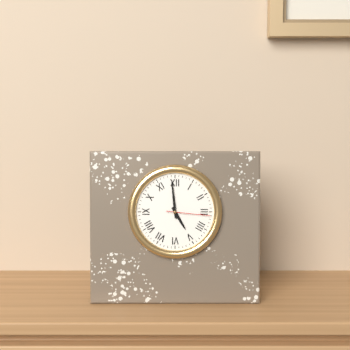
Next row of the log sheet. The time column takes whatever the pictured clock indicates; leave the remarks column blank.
4:59
